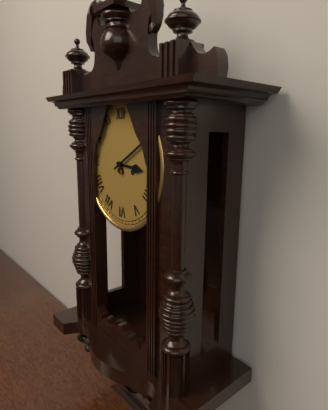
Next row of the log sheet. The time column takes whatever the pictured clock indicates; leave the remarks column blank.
3:10
